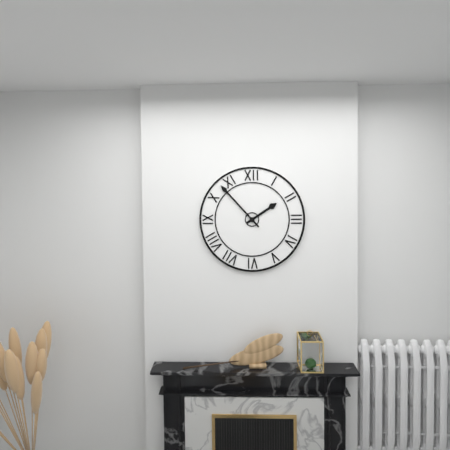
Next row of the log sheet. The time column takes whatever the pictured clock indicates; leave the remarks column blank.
1:53
